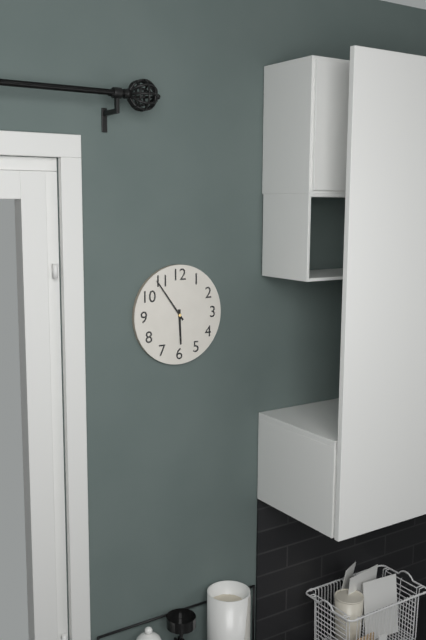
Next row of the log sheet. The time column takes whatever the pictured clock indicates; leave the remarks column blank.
5:54
